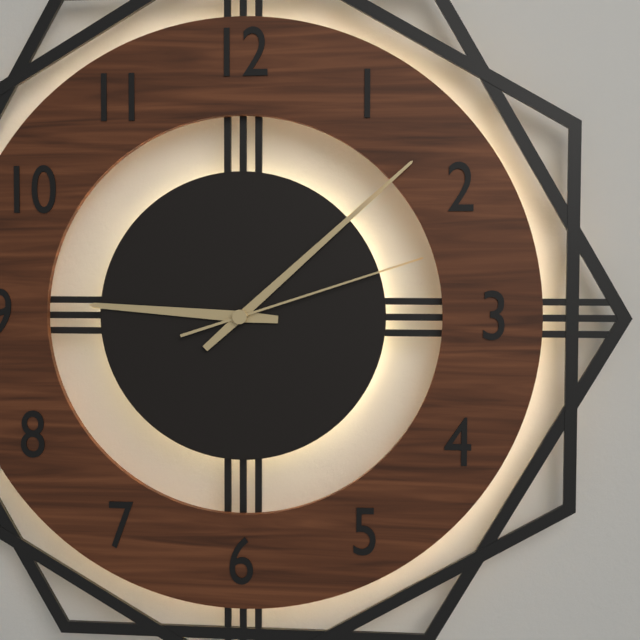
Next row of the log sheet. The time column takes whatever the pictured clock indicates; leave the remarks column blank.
9:08:12
